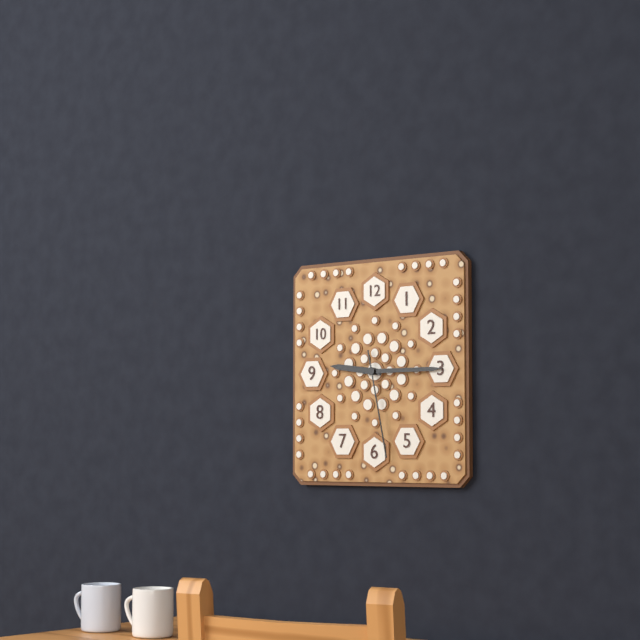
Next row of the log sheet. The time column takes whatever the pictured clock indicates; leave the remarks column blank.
9:15:28
